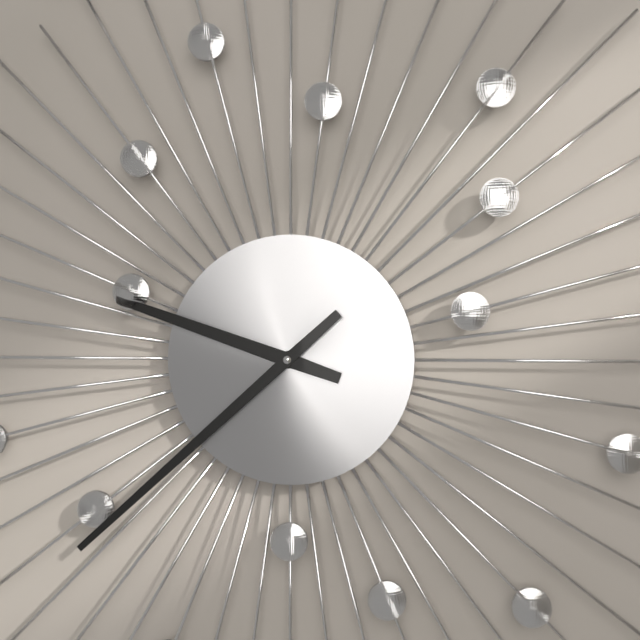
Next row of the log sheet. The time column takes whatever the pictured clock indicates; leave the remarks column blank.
9:38
